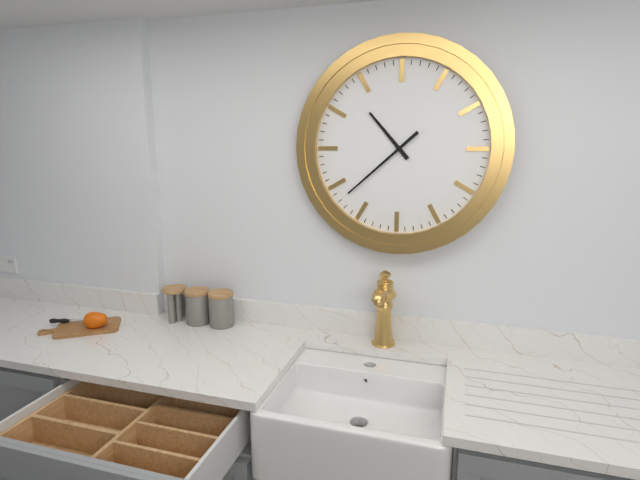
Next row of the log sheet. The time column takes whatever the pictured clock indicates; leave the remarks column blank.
10:38
